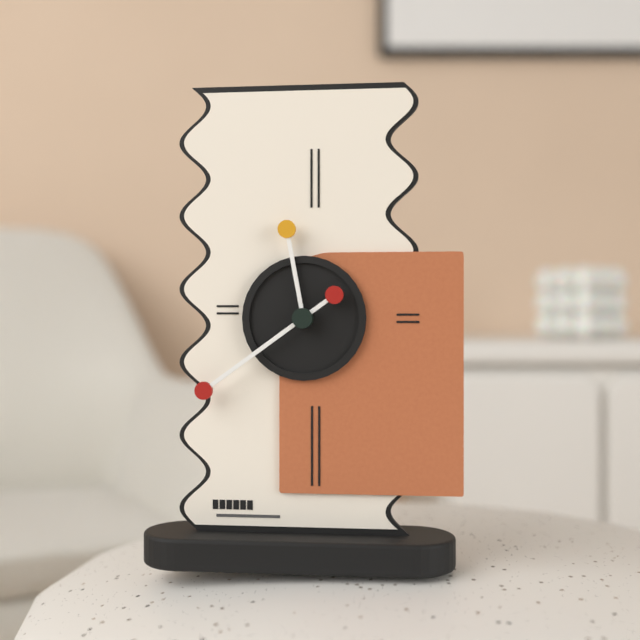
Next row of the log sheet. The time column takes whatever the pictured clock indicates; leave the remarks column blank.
11:39
